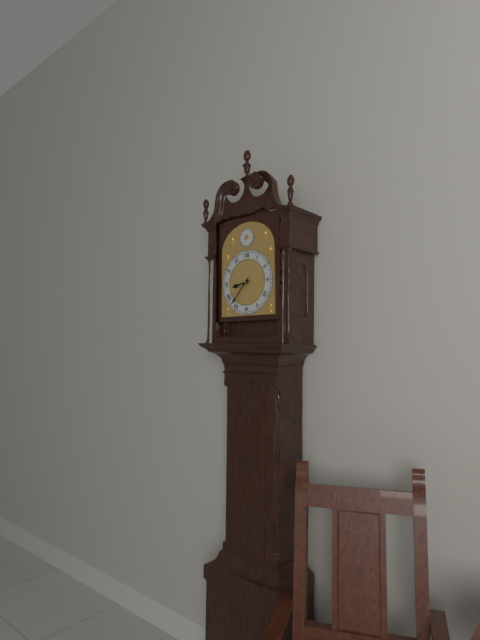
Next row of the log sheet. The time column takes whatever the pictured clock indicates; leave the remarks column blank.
8:37
